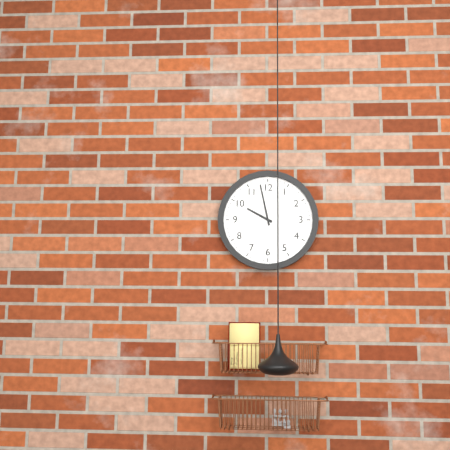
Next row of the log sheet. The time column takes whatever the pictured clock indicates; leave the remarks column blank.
9:58
